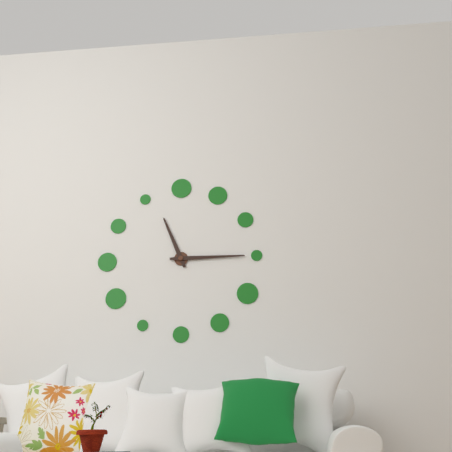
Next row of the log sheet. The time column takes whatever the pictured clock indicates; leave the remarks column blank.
11:15
